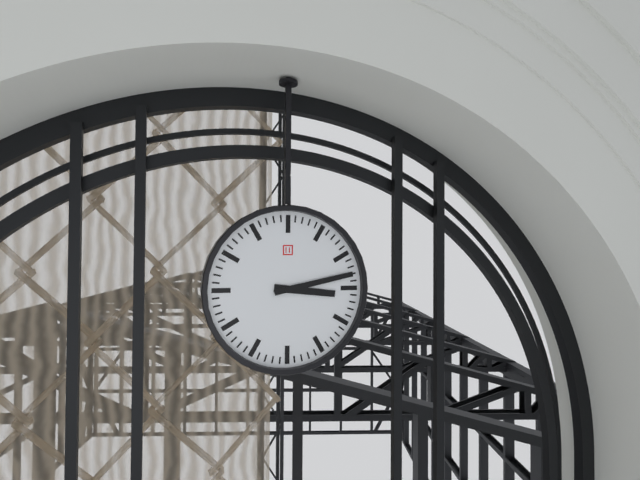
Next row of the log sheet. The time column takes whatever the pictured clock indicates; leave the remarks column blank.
3:13
